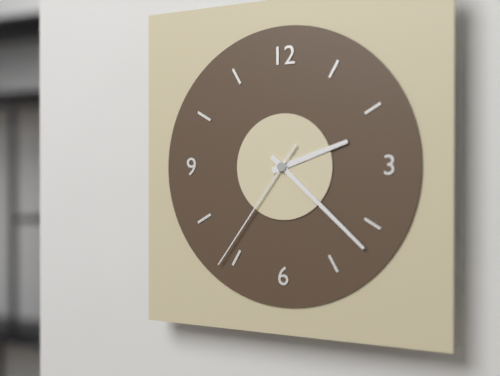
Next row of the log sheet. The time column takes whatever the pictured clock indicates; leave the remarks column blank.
2:22:36
